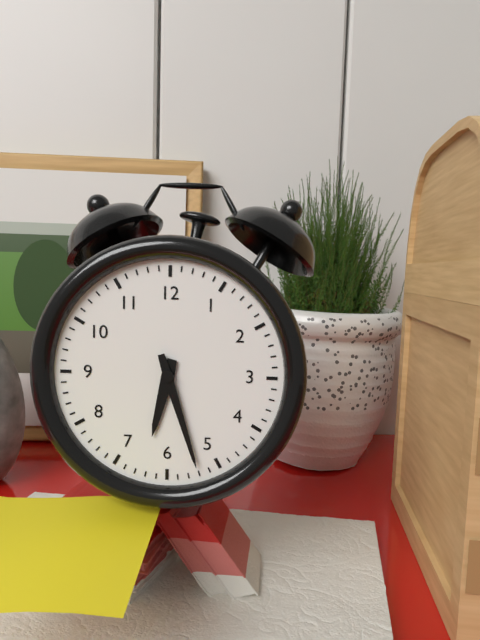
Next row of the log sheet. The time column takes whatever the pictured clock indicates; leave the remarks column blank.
6:27
